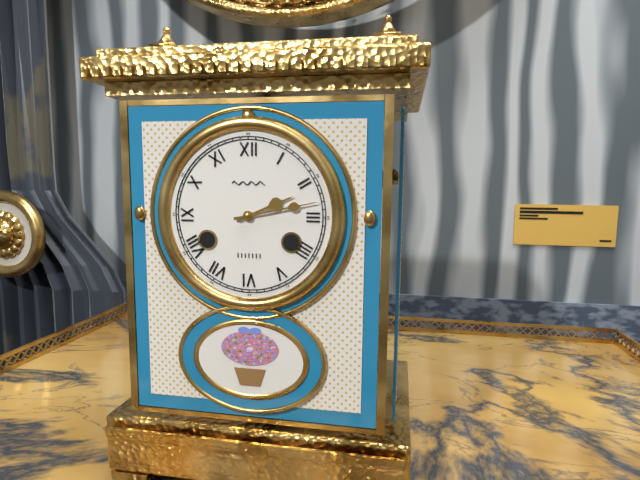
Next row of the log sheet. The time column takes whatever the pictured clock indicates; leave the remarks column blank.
2:13
